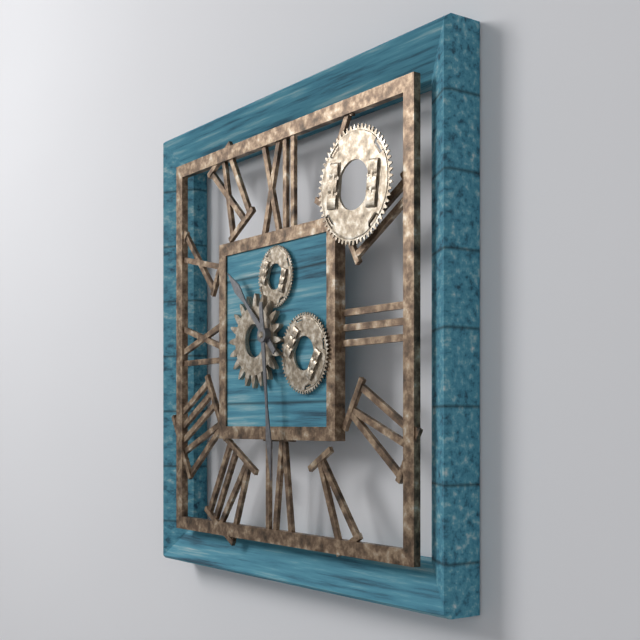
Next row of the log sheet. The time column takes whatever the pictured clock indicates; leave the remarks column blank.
10:29
